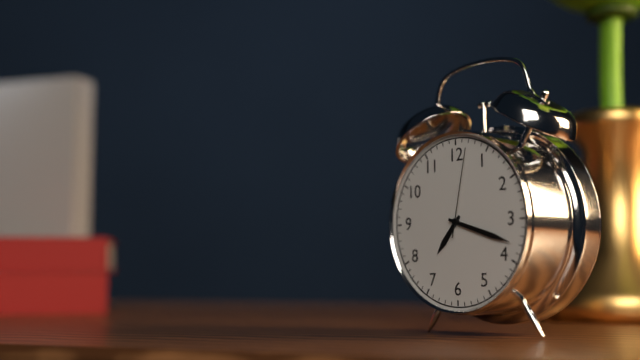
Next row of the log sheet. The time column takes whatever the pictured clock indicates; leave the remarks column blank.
7:18:02
